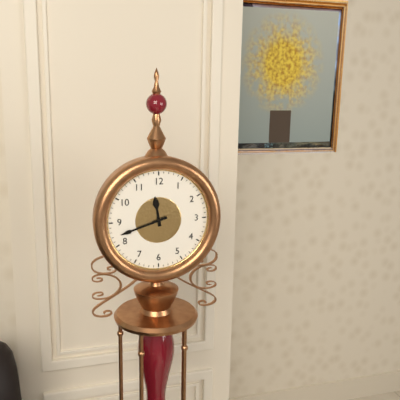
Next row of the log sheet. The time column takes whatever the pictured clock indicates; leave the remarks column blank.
11:42
